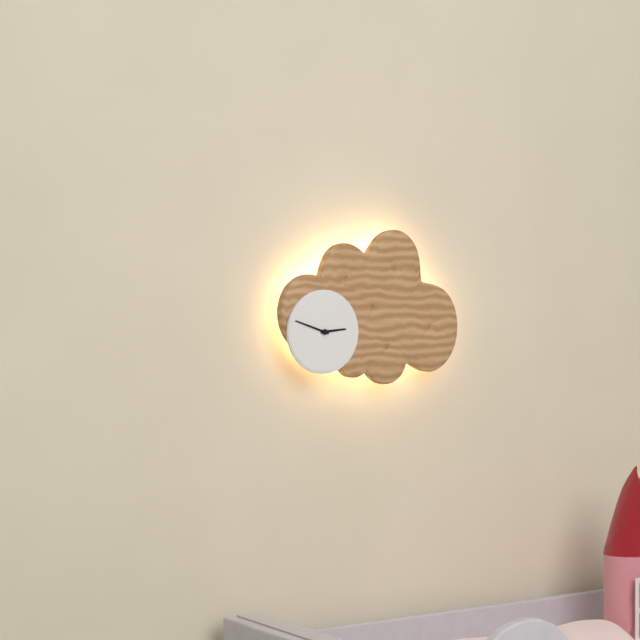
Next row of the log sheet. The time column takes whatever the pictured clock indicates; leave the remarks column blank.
2:48
